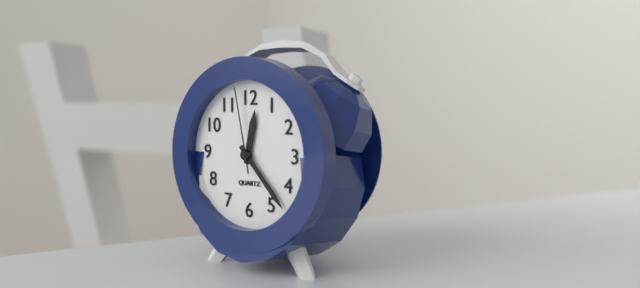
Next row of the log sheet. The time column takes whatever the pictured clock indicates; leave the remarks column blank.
12:23:58
